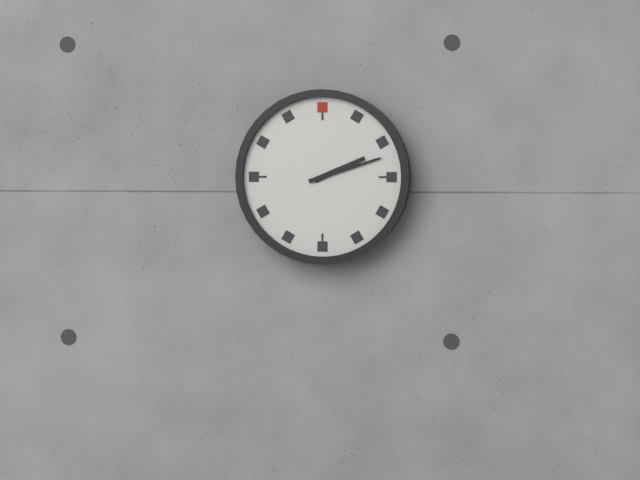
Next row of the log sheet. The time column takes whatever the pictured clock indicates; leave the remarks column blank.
2:12
